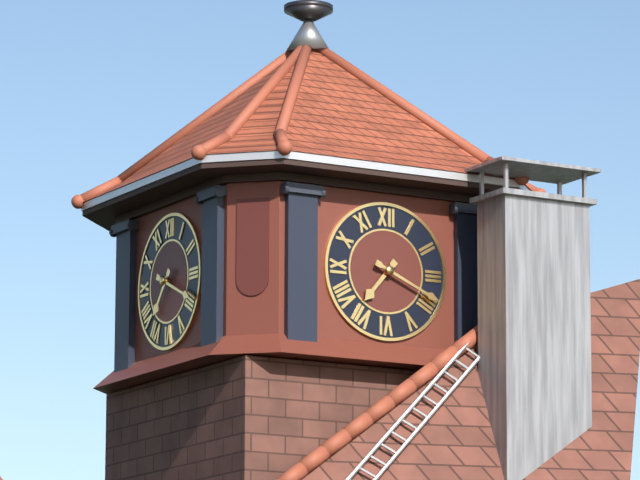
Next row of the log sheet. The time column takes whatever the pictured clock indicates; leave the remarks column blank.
7:19
